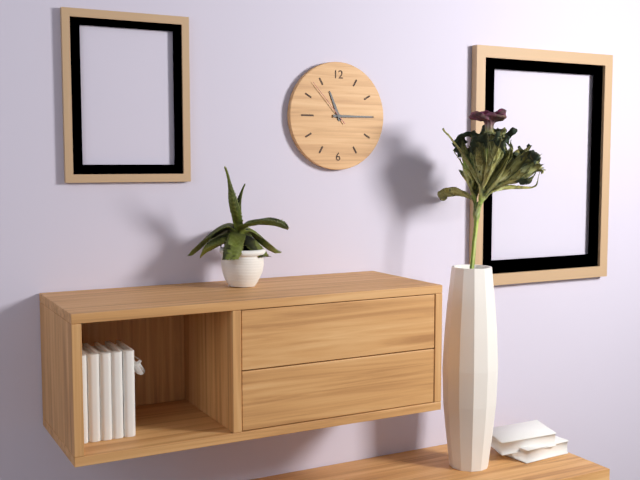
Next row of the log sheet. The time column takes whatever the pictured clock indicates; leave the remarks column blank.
11:15:53
